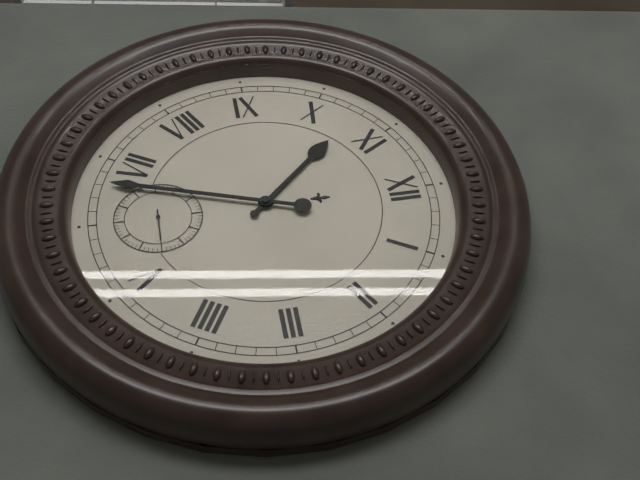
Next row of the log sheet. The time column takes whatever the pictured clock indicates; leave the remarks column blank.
10:33
